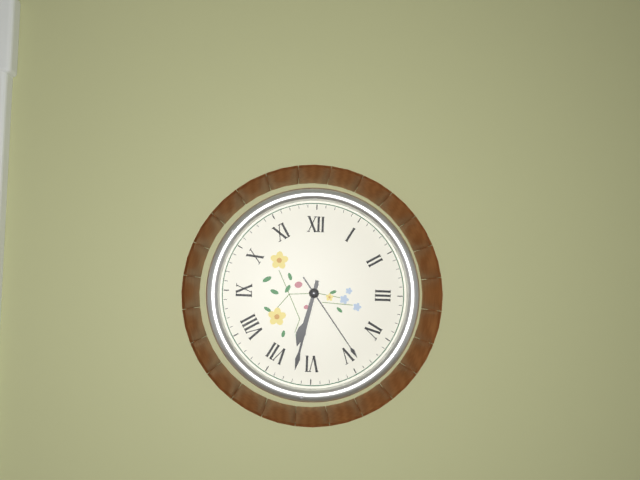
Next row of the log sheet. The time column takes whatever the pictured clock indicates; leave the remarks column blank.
6:32:24
